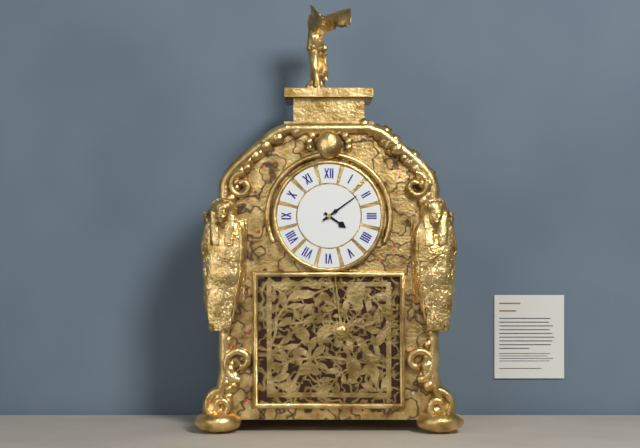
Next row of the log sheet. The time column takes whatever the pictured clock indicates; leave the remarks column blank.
4:09
